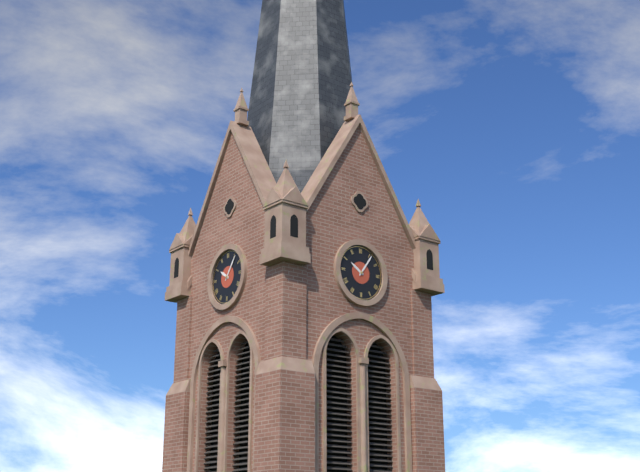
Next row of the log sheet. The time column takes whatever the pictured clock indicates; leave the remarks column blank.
10:06
